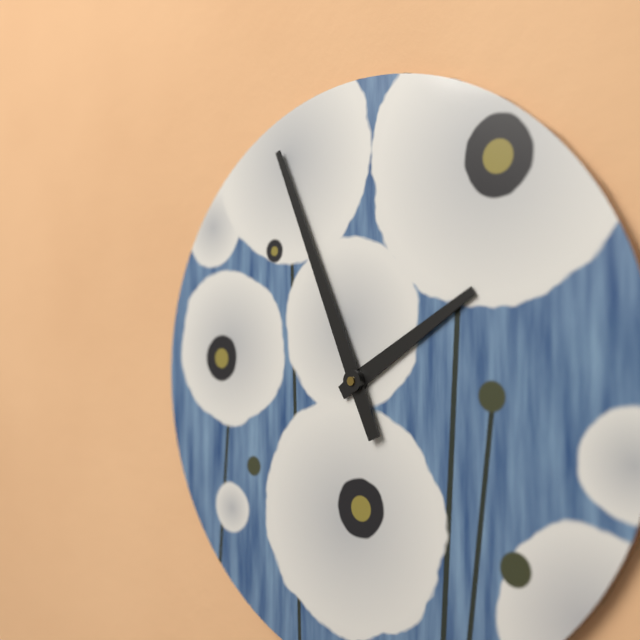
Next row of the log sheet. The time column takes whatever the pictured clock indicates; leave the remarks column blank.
1:56
